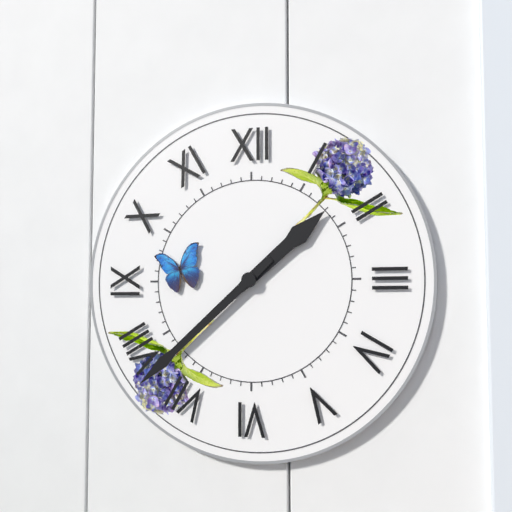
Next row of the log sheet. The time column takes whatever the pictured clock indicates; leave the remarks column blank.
1:38
